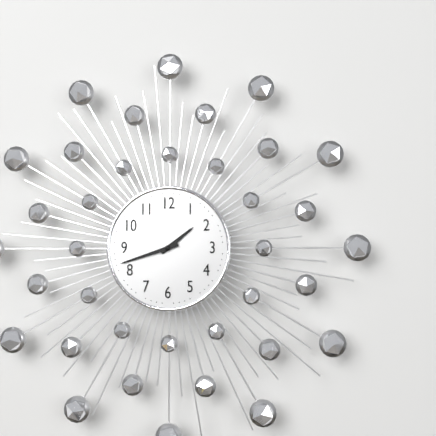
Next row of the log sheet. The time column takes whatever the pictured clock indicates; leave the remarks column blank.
1:42
